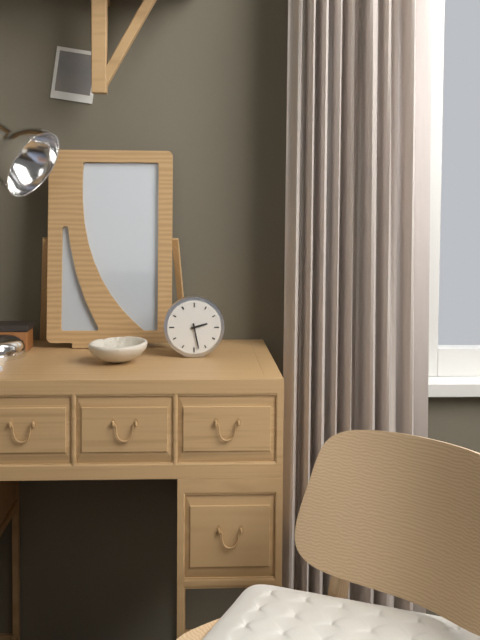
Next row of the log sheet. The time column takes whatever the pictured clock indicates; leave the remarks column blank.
2:28
